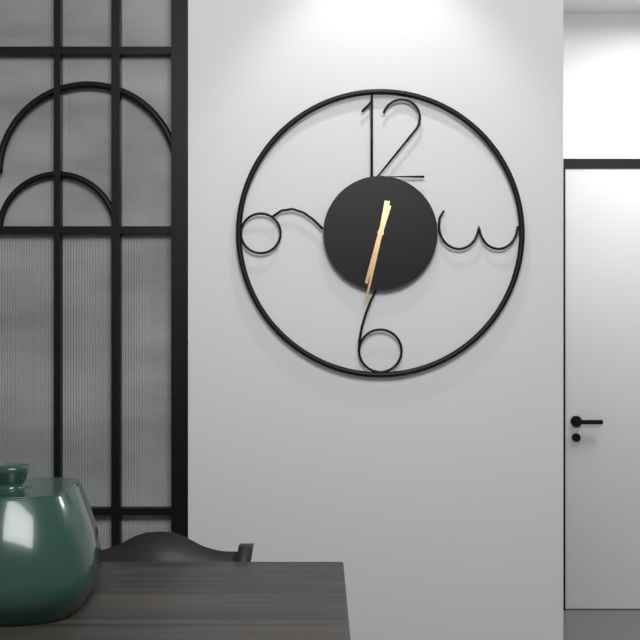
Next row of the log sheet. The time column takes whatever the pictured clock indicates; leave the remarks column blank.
6:32
